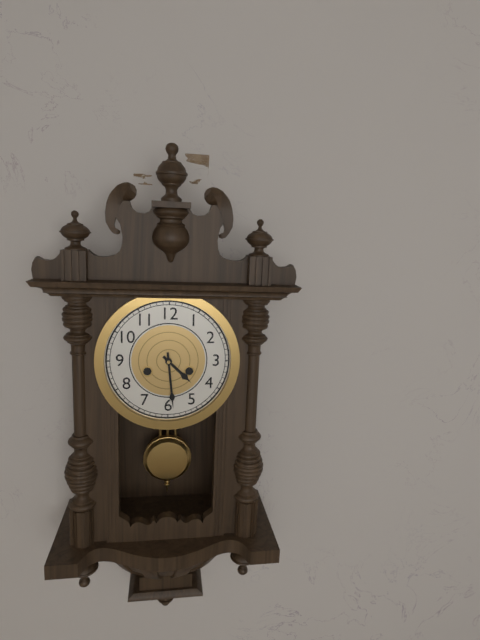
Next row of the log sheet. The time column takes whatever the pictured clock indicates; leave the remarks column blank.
4:29
